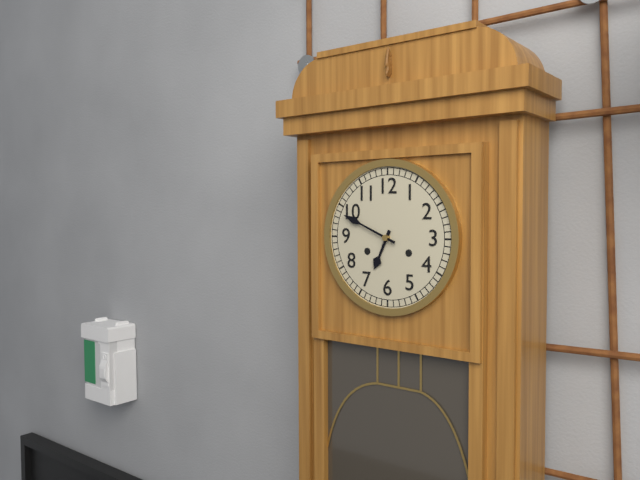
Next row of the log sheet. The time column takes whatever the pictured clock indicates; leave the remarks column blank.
6:49
